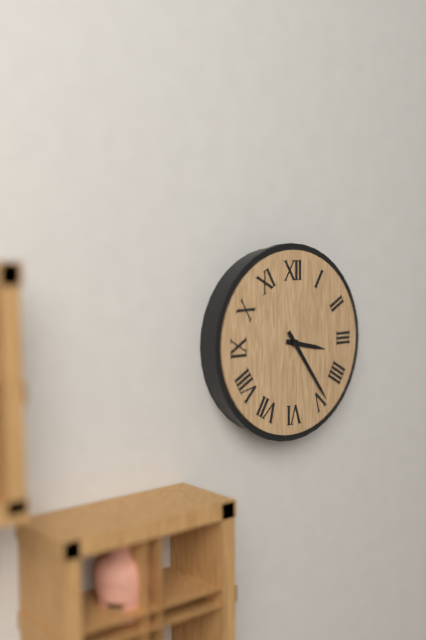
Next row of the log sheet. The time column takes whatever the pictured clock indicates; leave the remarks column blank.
3:24
